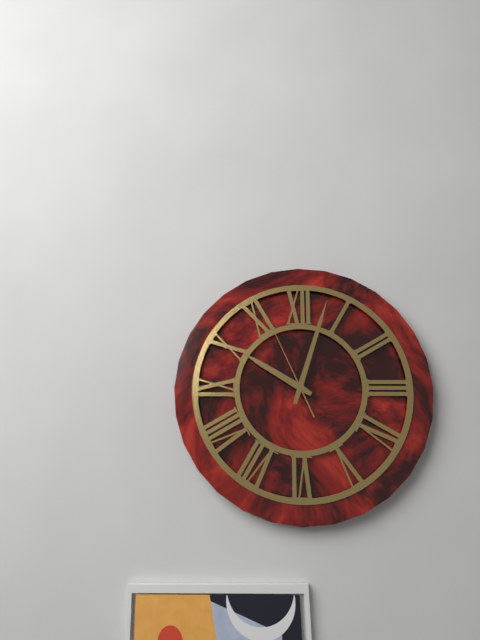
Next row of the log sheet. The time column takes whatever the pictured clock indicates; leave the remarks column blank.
10:03:56
